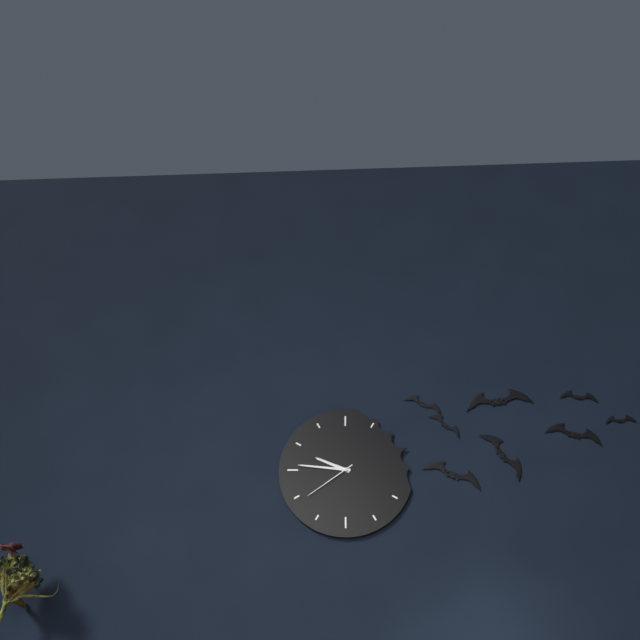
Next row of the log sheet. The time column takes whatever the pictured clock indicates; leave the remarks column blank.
9:46:39
